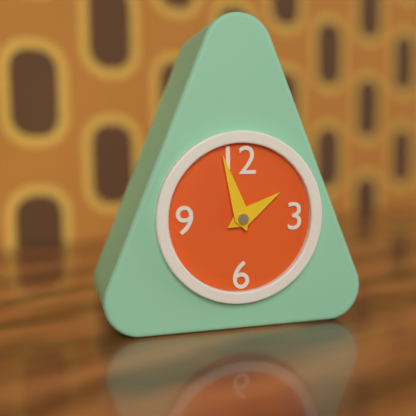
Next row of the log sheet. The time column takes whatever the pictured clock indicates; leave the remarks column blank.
1:57
